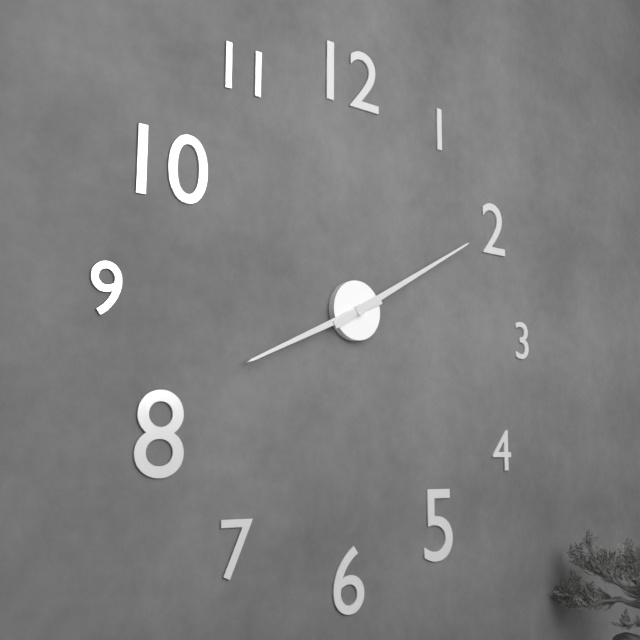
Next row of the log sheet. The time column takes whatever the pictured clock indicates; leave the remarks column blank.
8:10
